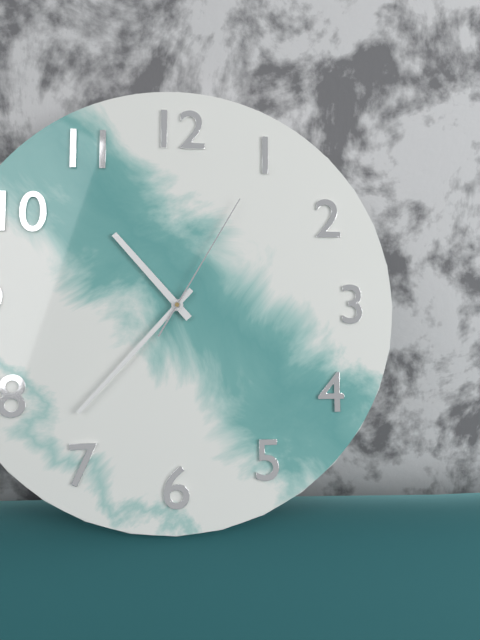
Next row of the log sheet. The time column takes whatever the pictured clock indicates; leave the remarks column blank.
10:37:05
